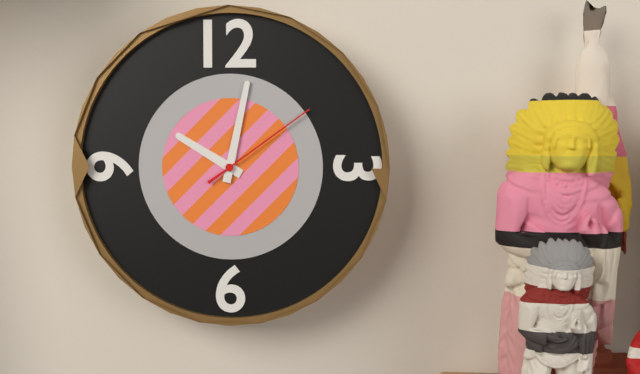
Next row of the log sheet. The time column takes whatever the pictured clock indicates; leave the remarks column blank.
10:02:09
